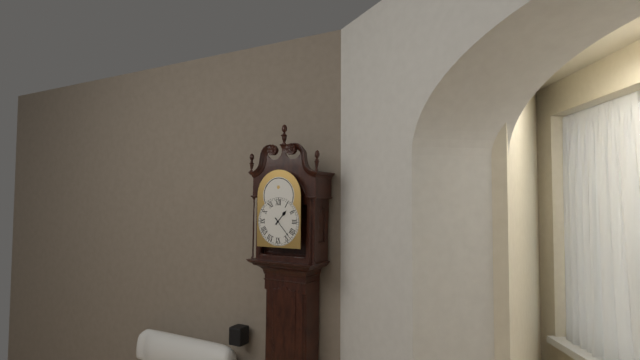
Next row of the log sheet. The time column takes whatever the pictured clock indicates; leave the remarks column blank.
1:23
